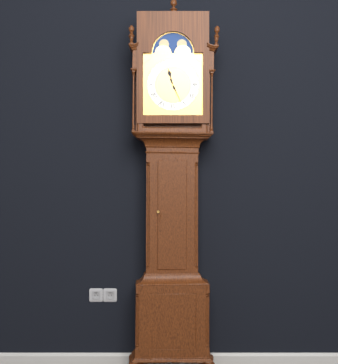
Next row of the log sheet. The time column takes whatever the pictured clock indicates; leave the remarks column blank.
11:26
